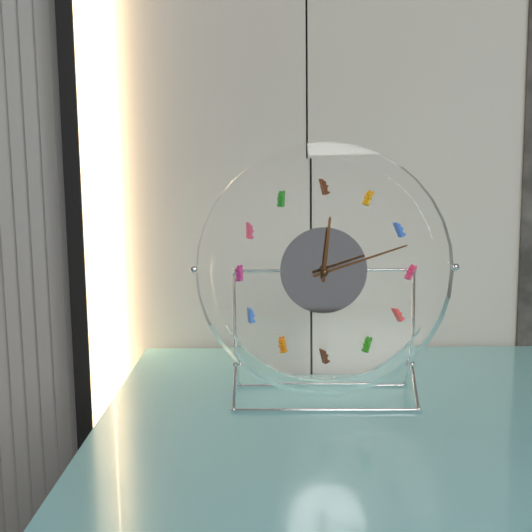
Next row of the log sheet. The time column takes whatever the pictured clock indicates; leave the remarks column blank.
12:12
